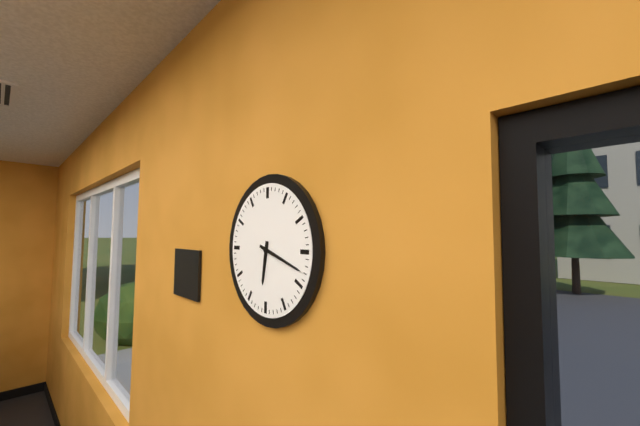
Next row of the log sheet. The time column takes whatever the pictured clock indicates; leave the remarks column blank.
6:18
